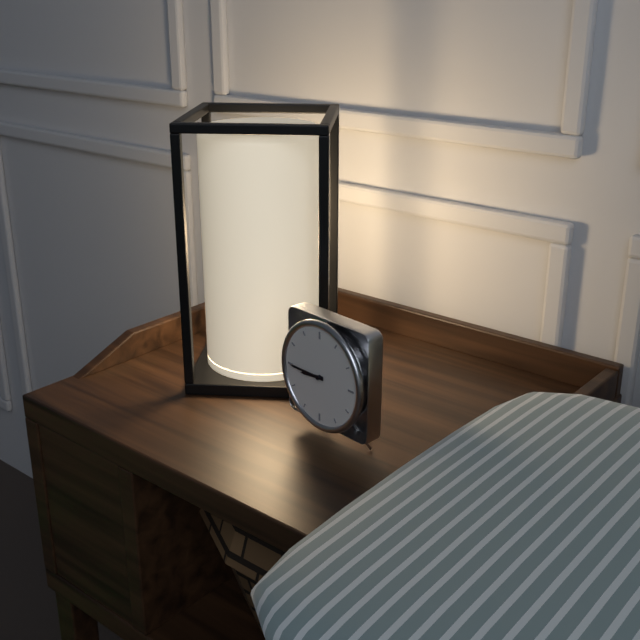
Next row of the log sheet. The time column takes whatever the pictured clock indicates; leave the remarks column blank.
8:45
